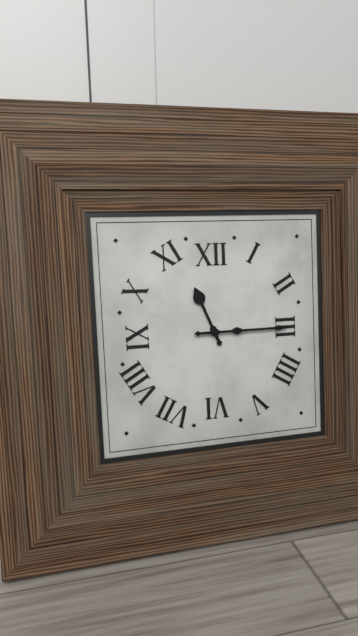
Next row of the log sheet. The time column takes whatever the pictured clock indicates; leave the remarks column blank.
11:15
